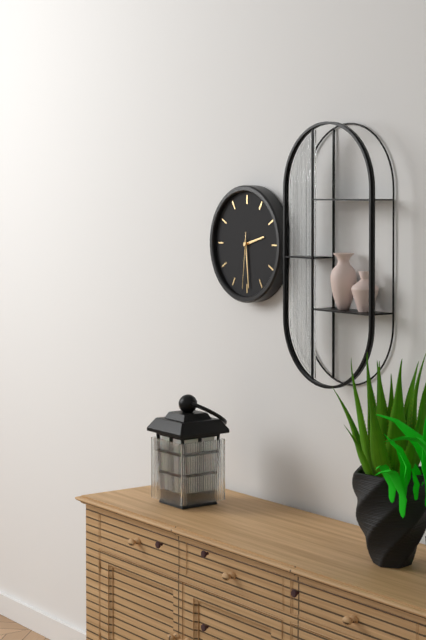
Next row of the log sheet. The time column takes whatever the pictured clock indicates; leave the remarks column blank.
2:29:31
